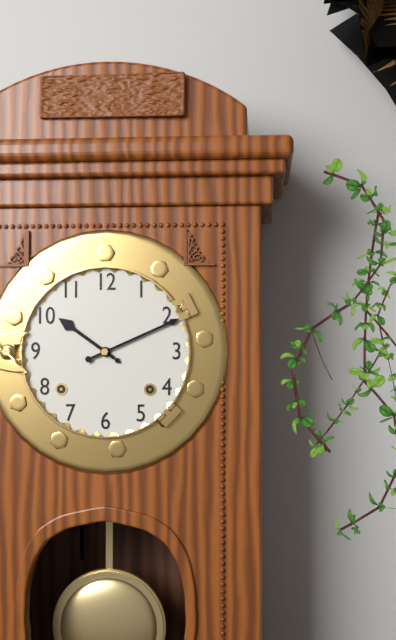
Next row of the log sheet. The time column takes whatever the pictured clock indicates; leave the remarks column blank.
10:11
